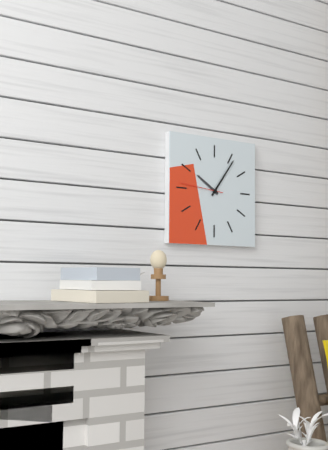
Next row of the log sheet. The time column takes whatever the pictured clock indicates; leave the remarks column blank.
10:06
